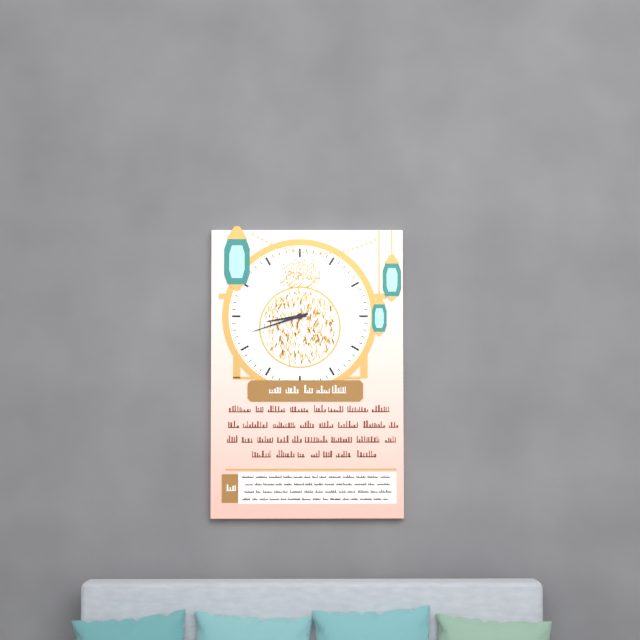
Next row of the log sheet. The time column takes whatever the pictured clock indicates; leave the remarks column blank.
8:42
